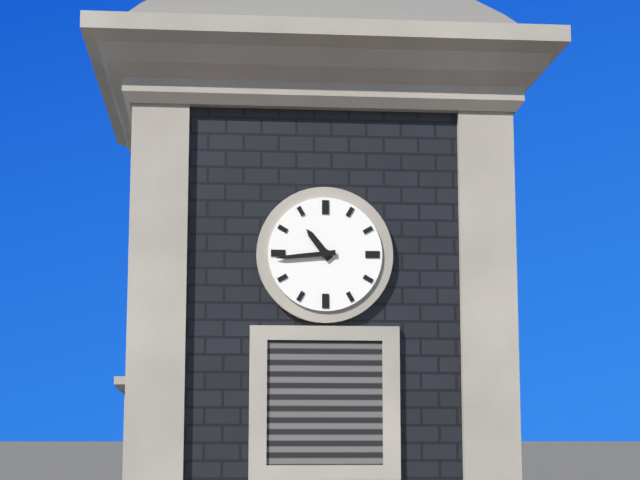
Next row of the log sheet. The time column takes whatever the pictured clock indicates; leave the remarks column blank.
10:44
